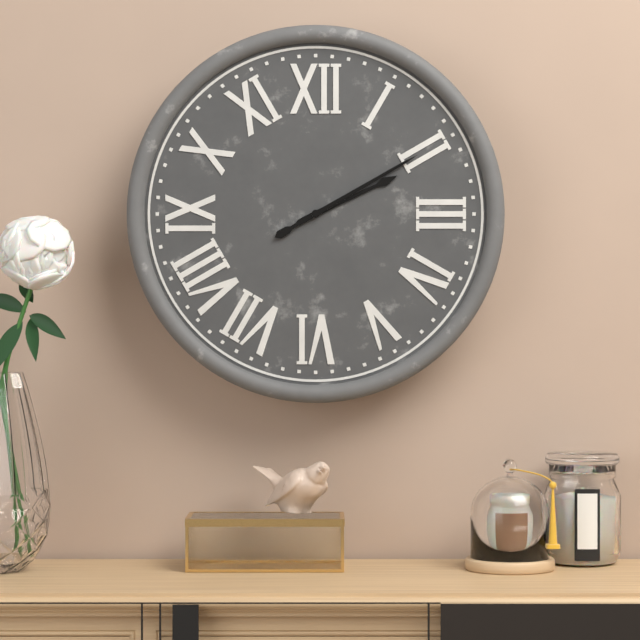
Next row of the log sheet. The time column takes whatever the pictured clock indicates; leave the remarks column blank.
2:10
